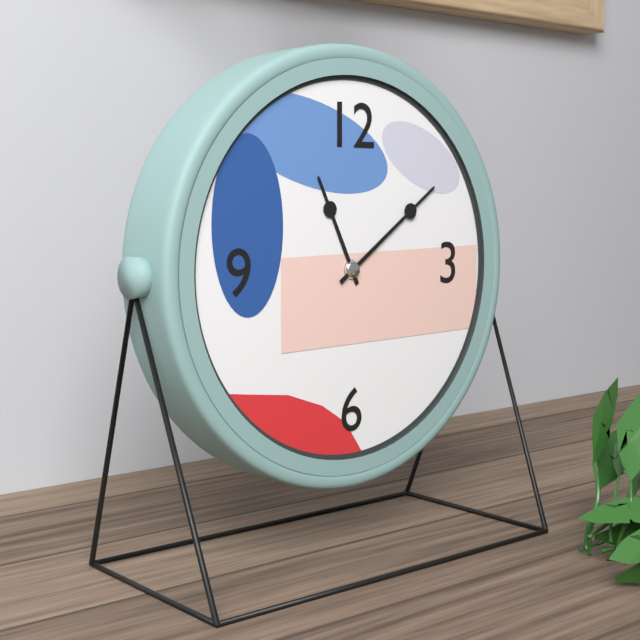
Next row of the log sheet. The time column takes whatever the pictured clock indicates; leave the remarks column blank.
11:09
